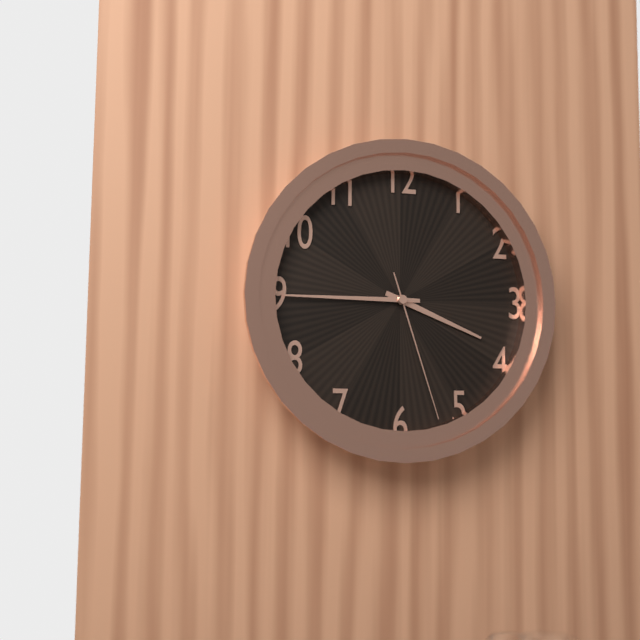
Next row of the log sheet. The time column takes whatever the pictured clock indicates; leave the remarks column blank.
3:45:27
